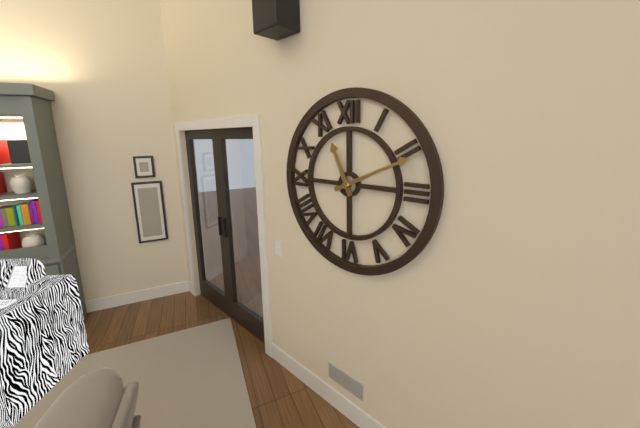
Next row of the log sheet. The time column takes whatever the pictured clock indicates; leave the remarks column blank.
11:11
